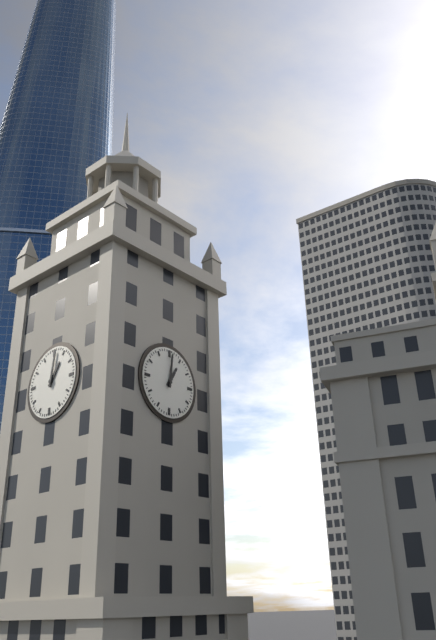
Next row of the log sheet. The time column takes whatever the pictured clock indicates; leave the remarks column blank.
1:01
